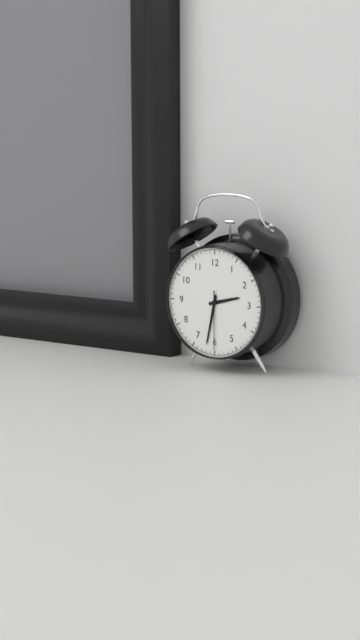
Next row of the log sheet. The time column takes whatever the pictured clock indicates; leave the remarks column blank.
2:32:30
